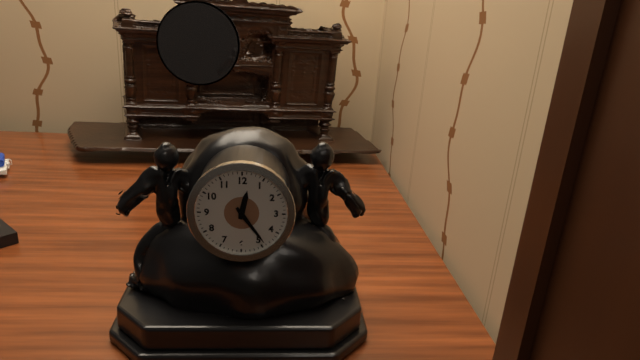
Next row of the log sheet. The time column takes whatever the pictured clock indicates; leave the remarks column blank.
12:24
